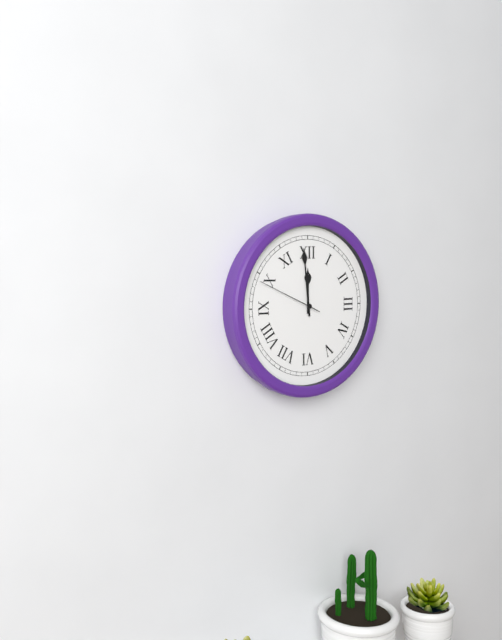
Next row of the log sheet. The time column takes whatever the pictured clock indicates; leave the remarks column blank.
11:59:49
